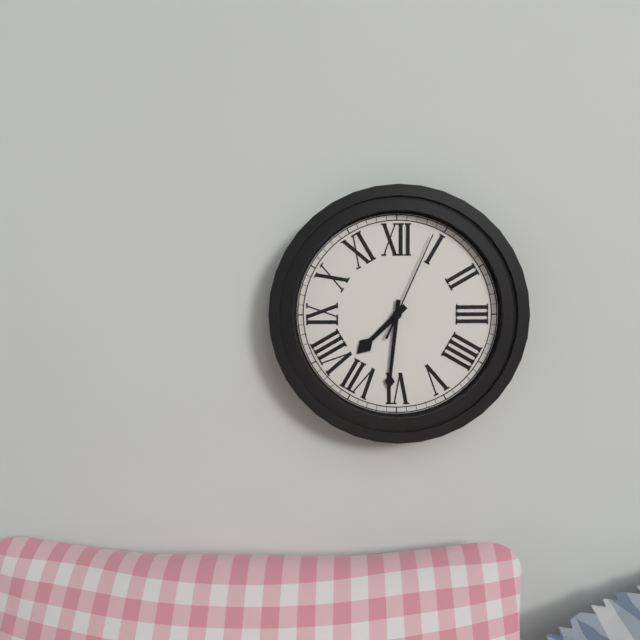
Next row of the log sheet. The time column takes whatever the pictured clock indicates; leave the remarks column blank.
7:31:04
